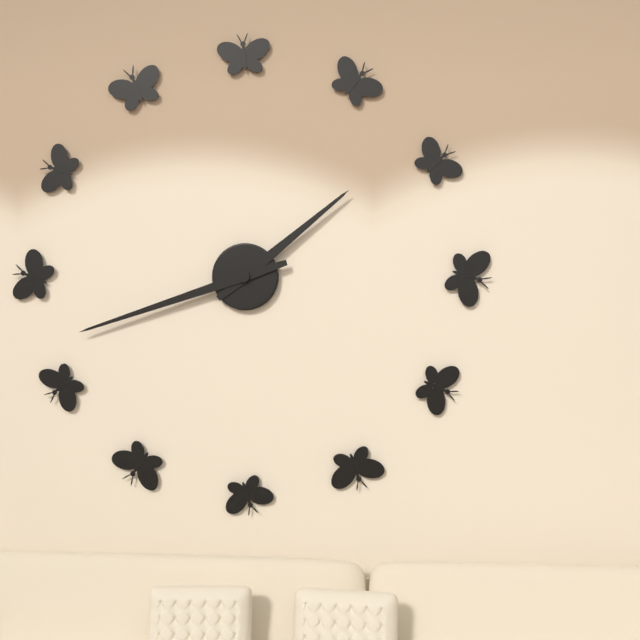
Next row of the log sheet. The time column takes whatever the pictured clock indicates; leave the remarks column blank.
1:42
